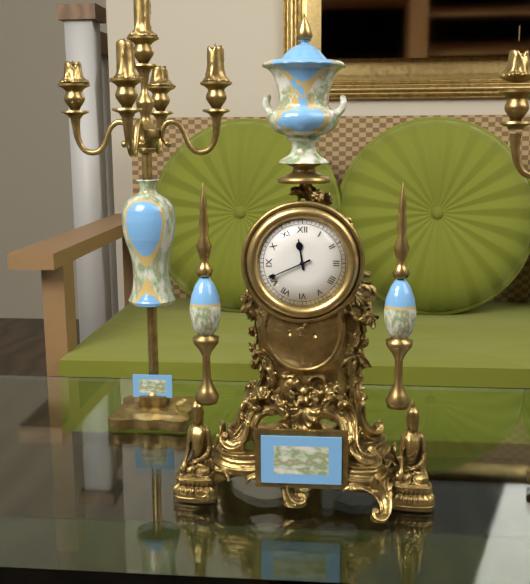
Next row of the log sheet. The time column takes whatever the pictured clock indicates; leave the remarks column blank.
11:41
